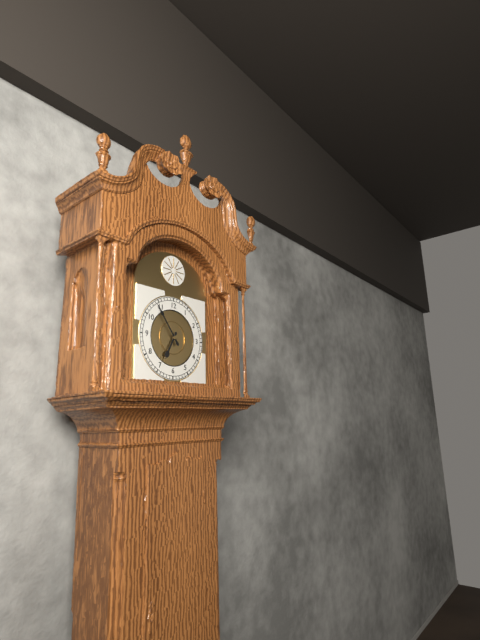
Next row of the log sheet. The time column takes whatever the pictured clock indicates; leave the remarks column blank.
6:54
